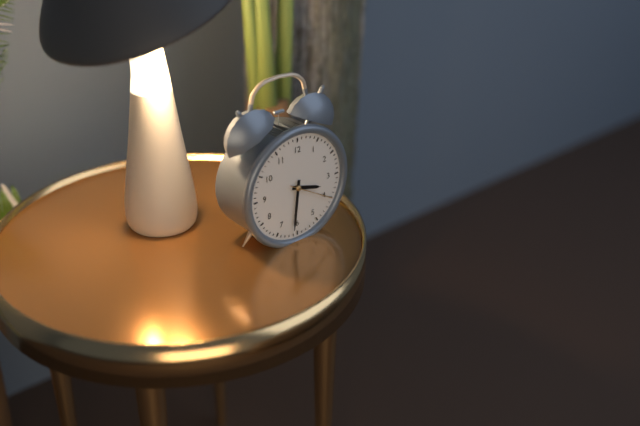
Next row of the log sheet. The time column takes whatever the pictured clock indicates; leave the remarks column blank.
3:31
